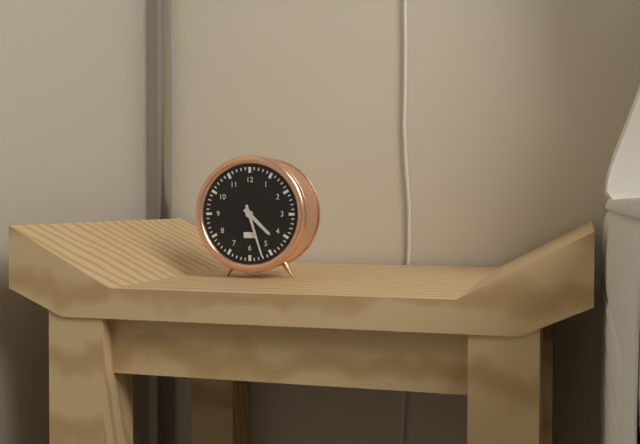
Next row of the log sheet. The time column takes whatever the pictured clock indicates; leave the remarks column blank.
4:27
